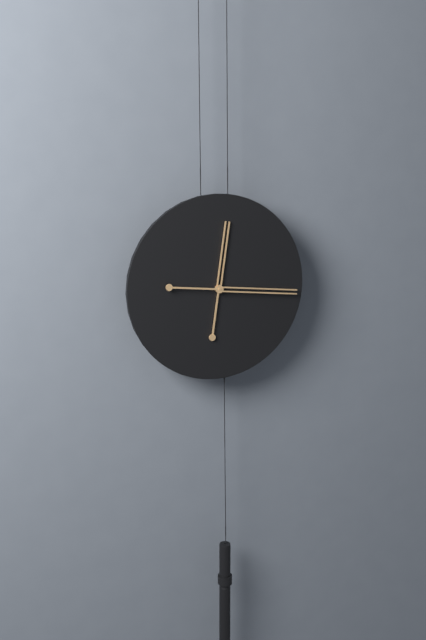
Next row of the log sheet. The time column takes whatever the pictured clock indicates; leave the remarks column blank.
12:16
